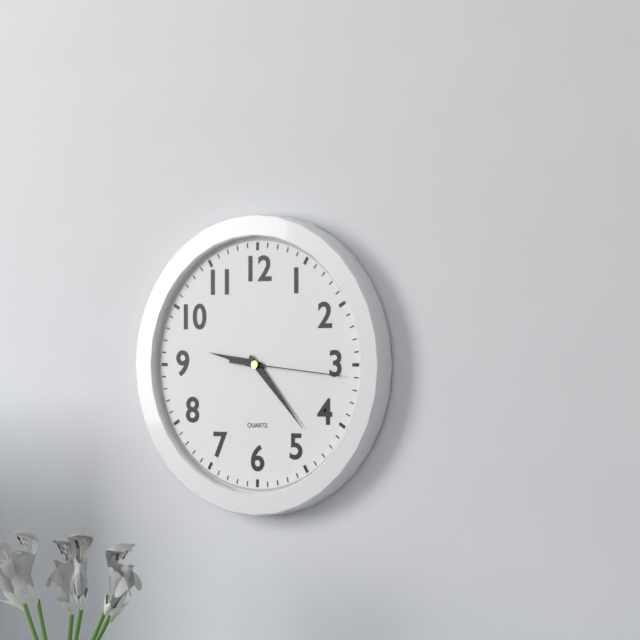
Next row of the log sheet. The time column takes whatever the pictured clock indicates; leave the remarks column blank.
9:23:16
